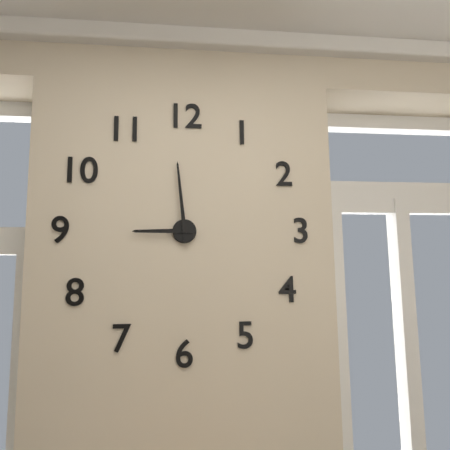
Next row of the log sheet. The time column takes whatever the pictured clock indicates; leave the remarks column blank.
8:59
